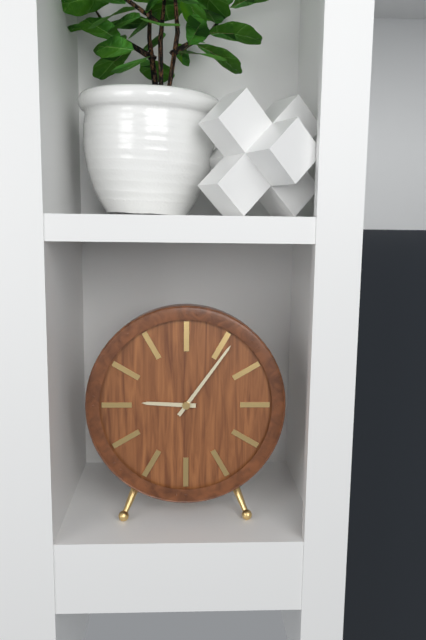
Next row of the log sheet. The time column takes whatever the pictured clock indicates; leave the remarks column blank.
9:06
